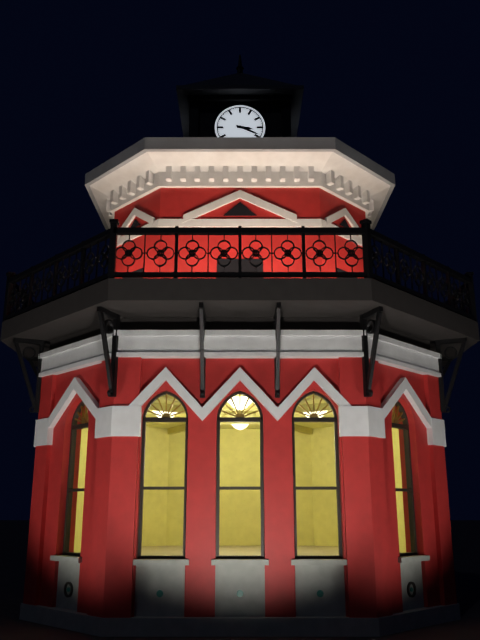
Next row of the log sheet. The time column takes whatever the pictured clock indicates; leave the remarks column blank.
3:19
